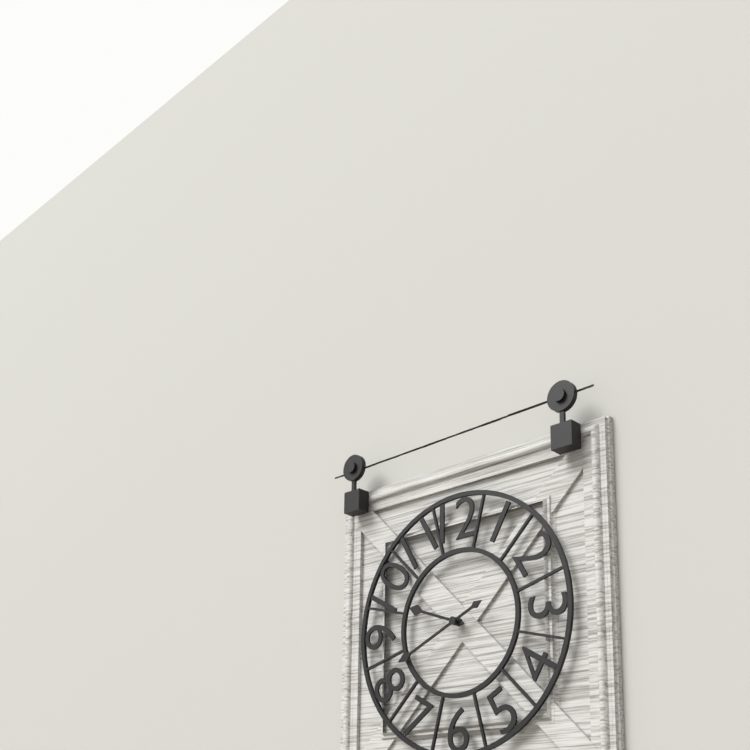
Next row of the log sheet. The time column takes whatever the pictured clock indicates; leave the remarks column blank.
9:41
